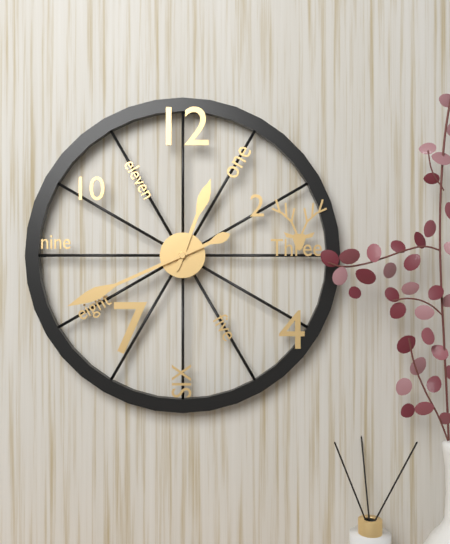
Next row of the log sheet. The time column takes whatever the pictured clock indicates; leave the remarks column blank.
12:41
